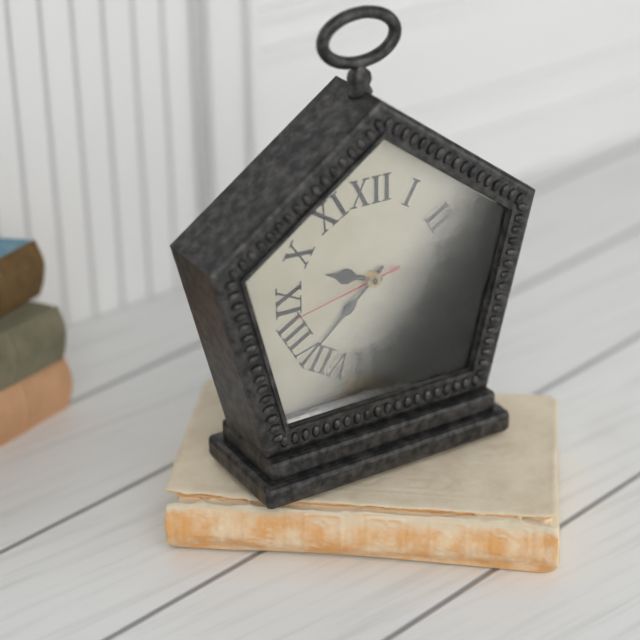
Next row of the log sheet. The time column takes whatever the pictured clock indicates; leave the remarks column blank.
9:38:43
